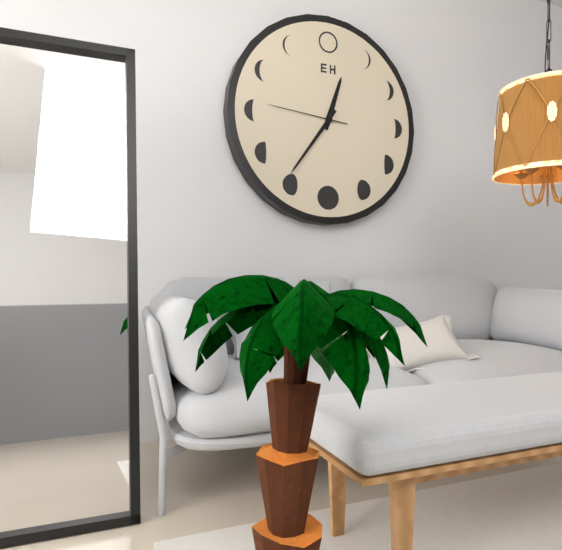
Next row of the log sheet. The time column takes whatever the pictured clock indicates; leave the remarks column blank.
12:36:46
